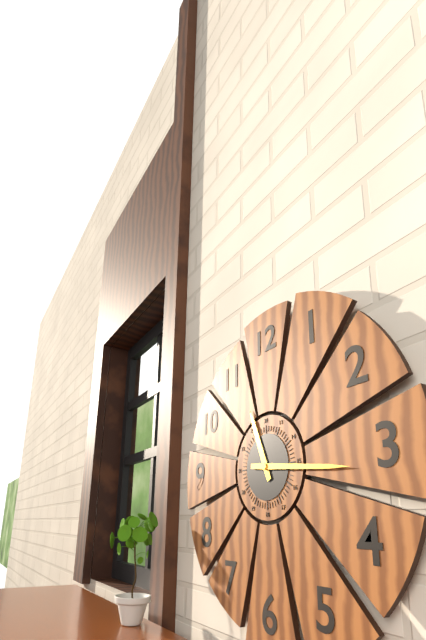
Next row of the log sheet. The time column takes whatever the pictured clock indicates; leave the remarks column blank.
11:16
